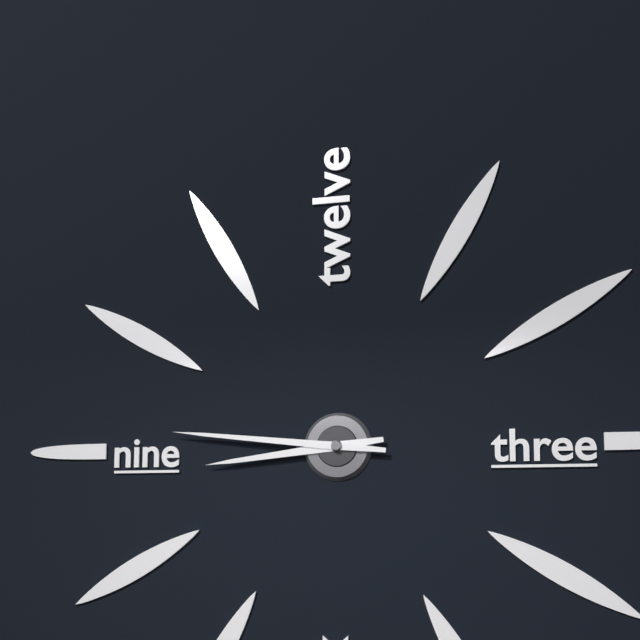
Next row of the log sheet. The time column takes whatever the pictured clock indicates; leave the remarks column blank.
8:46
